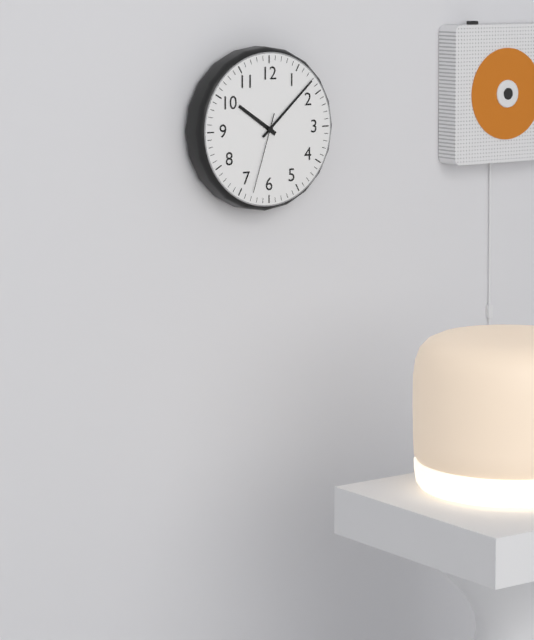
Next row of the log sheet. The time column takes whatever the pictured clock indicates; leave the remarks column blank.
10:08:33
